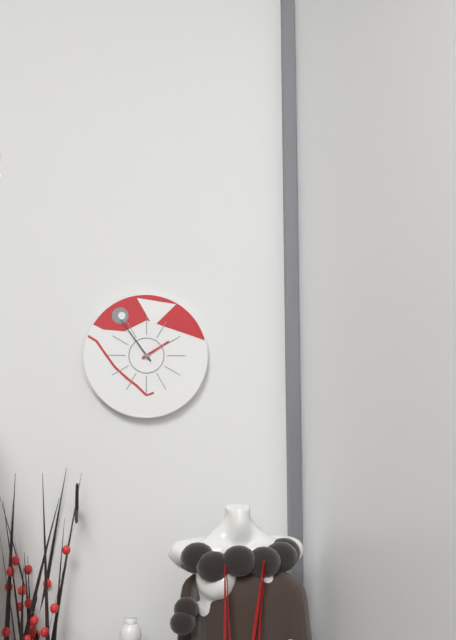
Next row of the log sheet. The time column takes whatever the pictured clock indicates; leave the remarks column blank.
1:54
